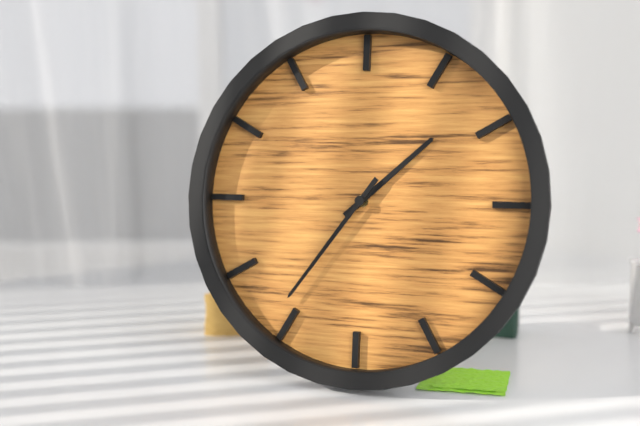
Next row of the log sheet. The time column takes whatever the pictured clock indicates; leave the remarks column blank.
1:36
